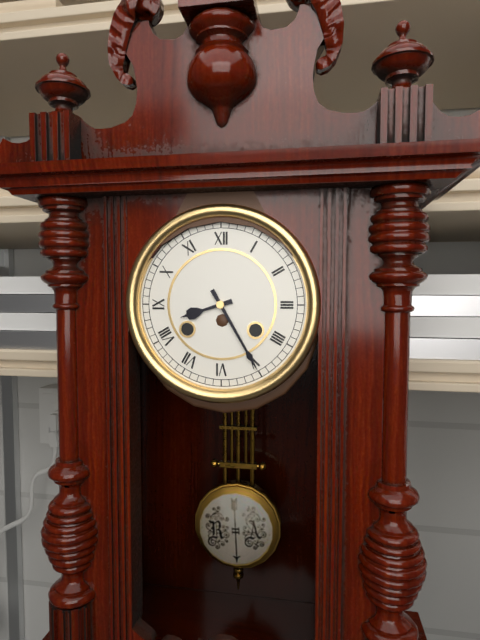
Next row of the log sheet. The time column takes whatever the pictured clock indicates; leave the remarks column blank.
8:25
